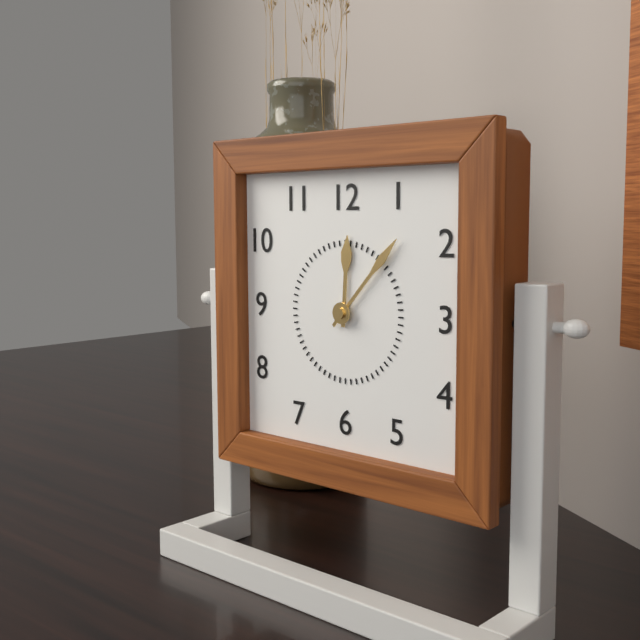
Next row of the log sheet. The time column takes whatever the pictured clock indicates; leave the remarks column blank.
12:07
